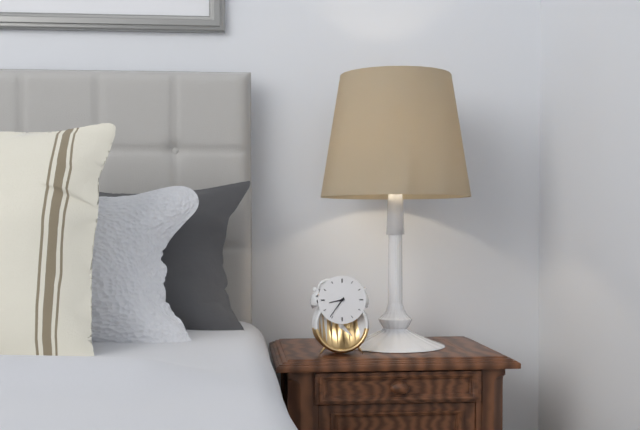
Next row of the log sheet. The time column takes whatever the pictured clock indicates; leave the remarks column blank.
8:36
